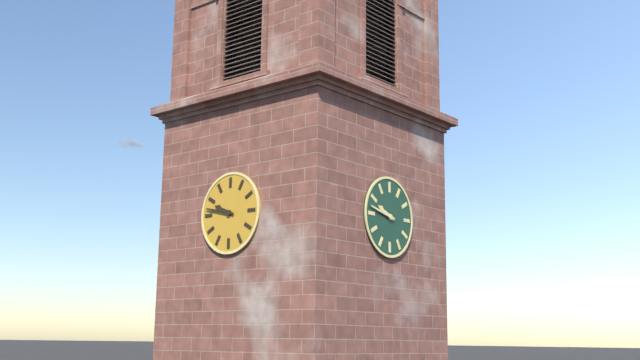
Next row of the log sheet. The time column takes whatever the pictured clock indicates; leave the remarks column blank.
9:47
